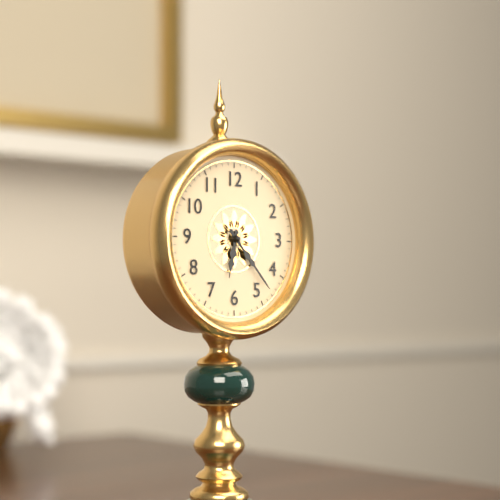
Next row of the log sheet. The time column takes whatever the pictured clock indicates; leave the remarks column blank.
6:23
